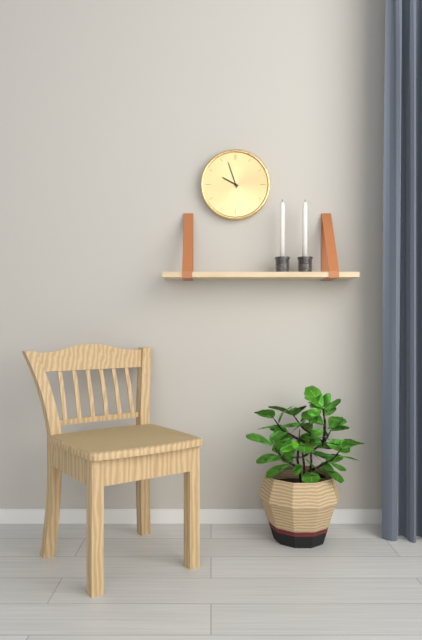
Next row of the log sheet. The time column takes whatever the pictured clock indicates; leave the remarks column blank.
9:57
